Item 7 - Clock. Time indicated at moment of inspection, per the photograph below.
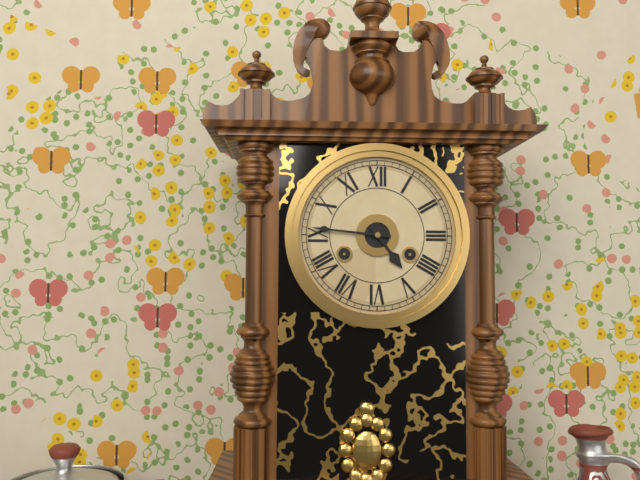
4:46
